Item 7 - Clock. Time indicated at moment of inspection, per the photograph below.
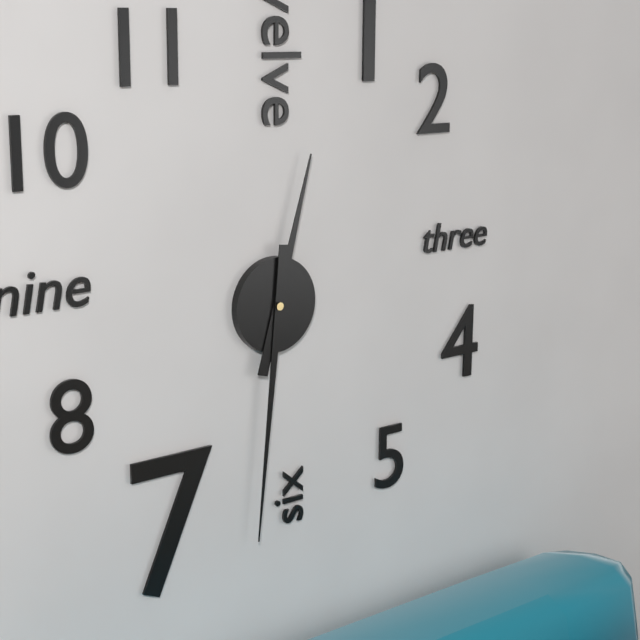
12:31
